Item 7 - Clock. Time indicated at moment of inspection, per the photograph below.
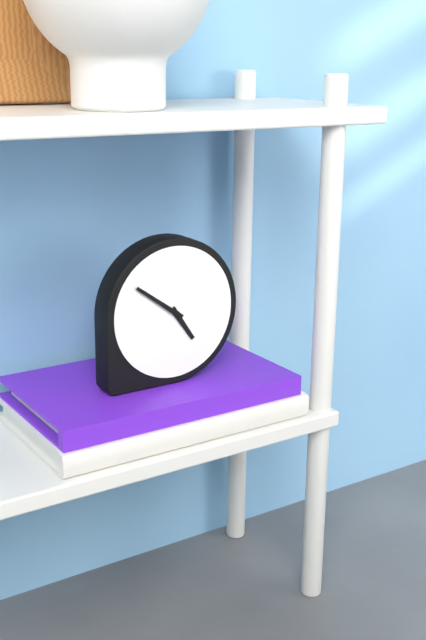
4:51
